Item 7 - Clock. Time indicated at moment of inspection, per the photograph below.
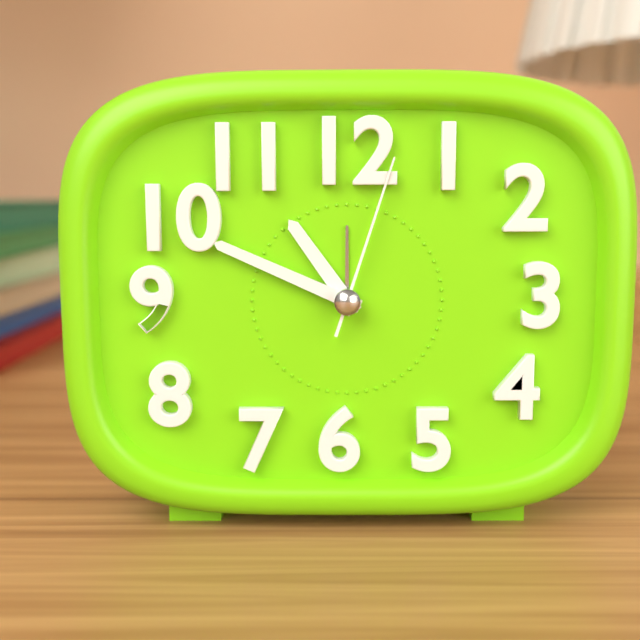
10:49:03
